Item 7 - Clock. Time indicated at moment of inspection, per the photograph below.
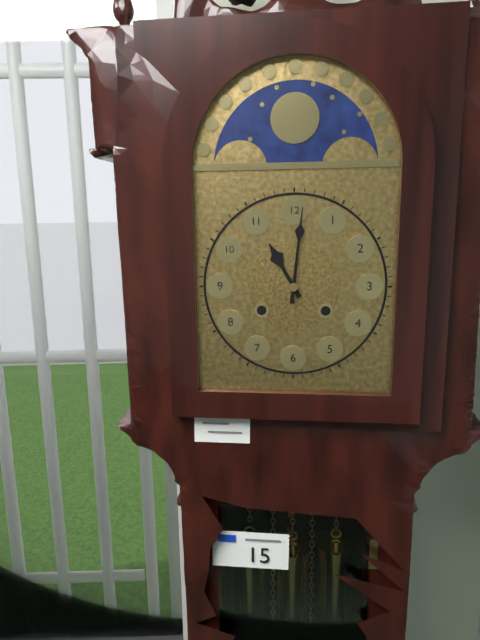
11:01
